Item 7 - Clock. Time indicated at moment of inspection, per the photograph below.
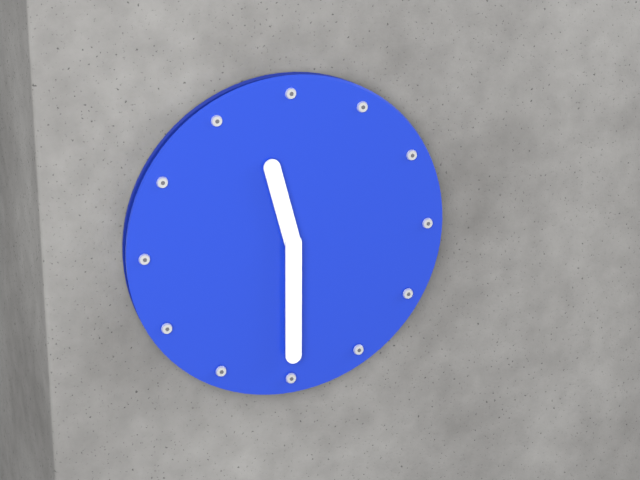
11:30
